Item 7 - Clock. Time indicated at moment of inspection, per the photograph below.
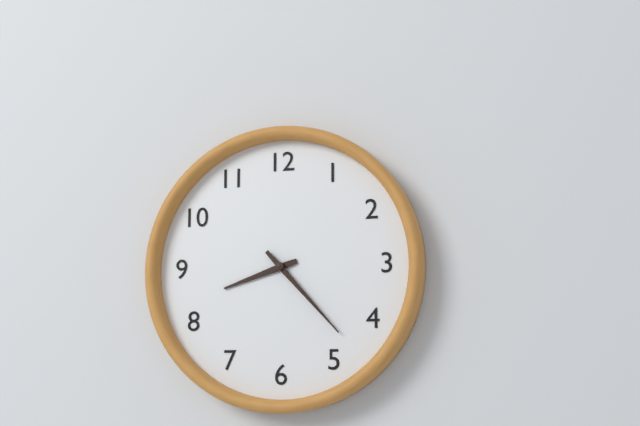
8:23
